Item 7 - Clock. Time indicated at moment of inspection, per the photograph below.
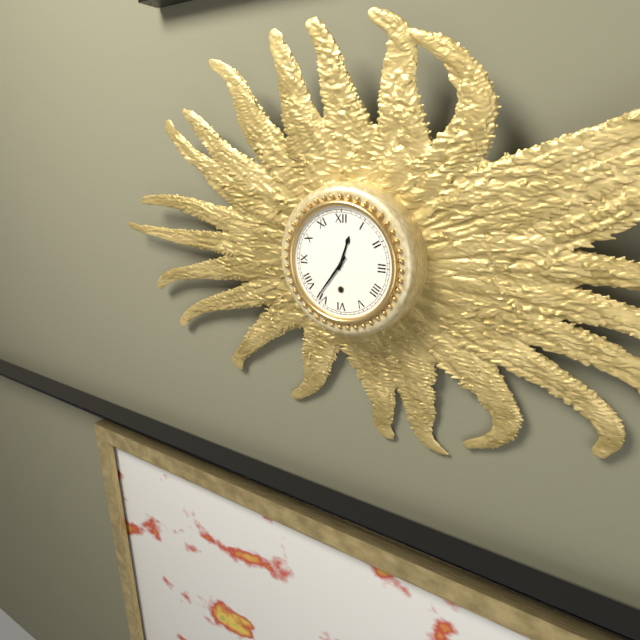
12:36
